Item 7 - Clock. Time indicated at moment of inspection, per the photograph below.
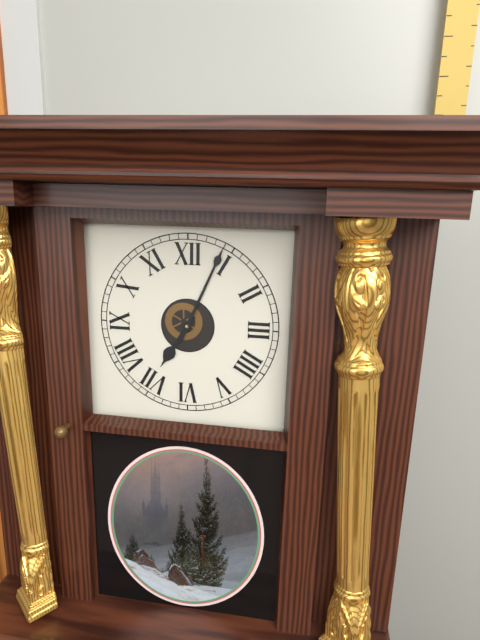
7:04
